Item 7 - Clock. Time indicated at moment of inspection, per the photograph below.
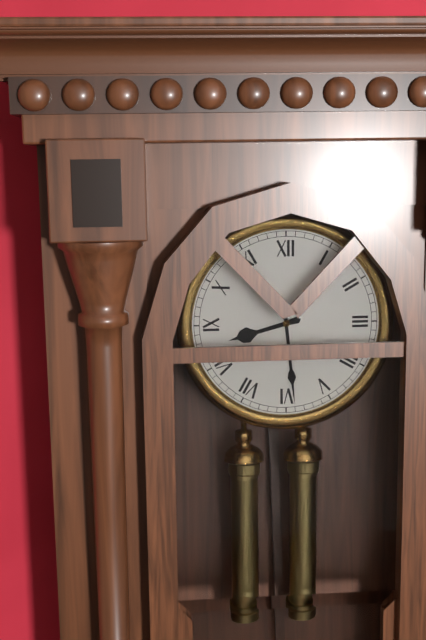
8:29
